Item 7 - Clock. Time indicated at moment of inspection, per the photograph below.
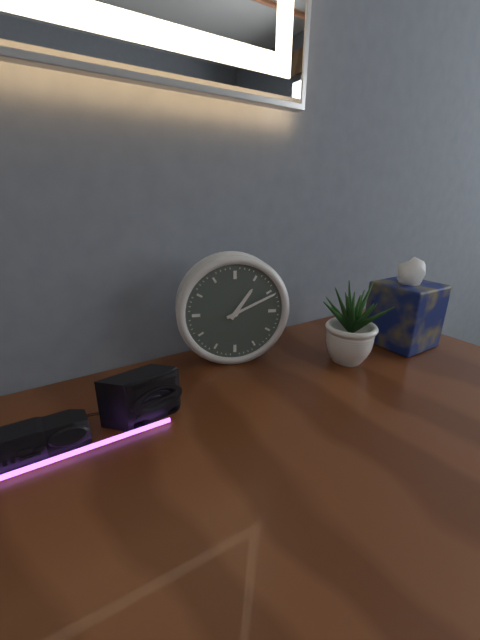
1:11
